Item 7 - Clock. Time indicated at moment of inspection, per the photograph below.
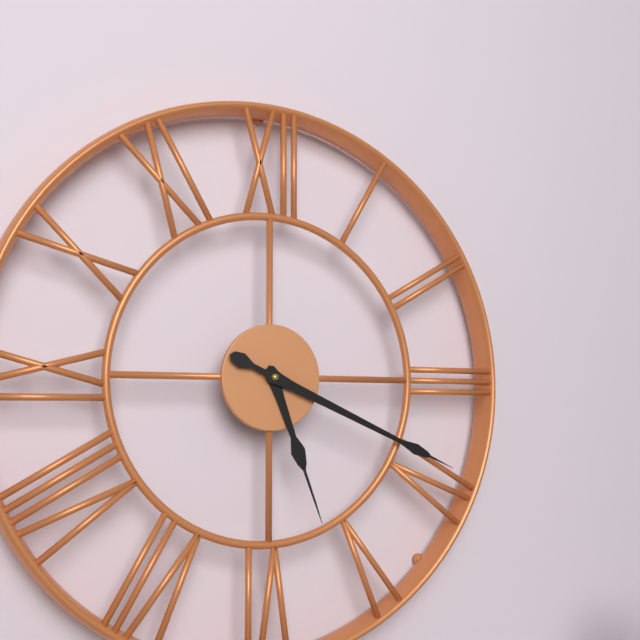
5:19
